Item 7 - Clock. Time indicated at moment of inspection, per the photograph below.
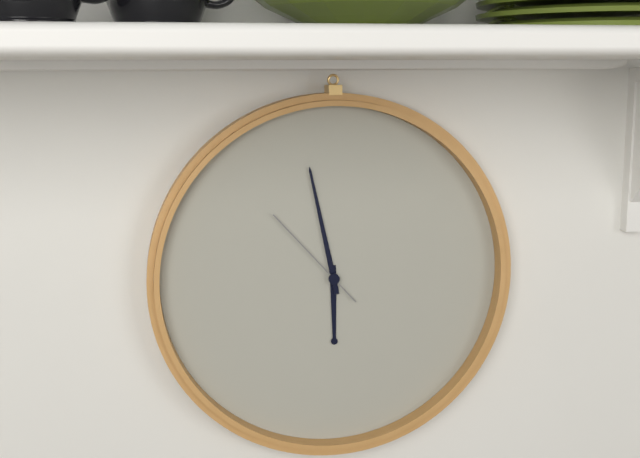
5:58:53
